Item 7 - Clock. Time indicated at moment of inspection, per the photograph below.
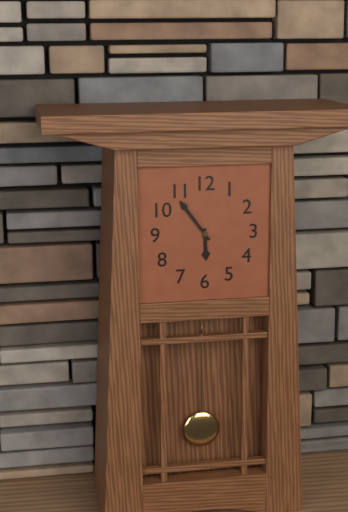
5:54
